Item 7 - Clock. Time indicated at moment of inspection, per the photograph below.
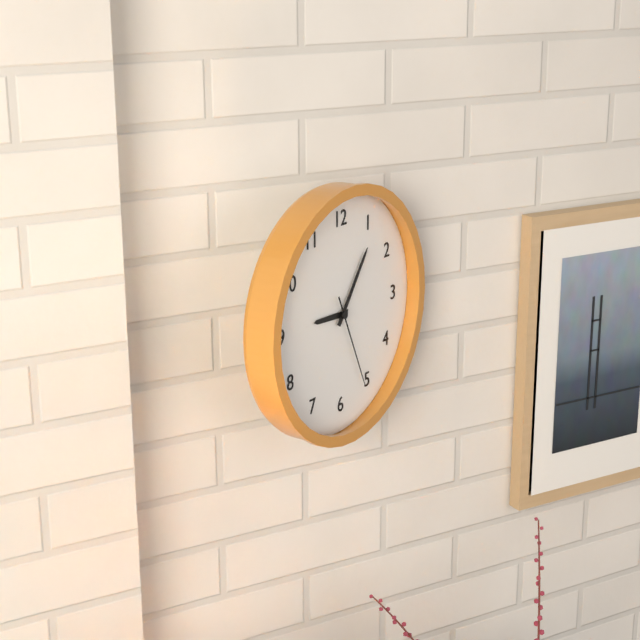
9:06:26
